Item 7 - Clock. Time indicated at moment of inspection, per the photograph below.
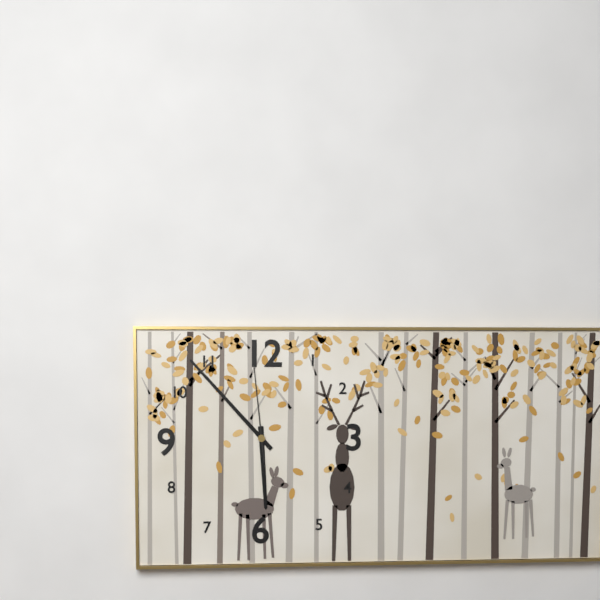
5:53:59
